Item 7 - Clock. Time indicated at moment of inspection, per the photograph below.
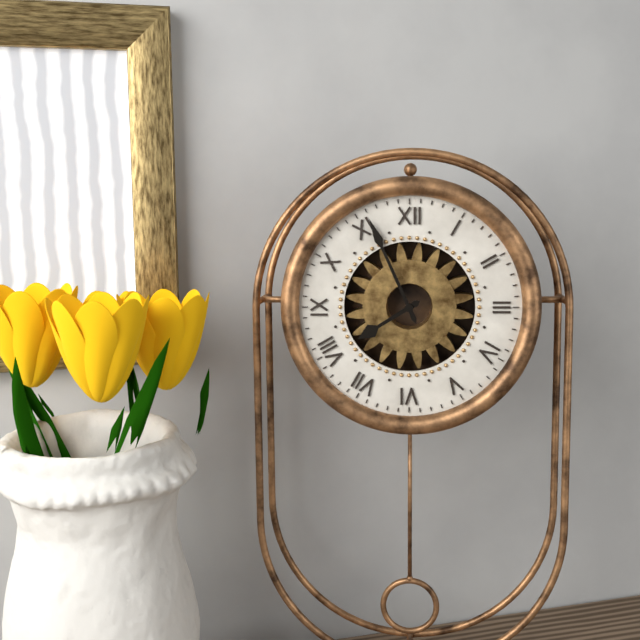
7:56
